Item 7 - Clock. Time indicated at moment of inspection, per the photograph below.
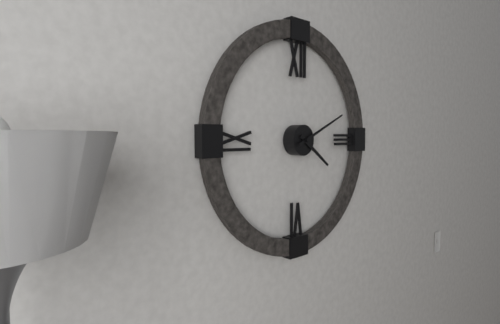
4:11
